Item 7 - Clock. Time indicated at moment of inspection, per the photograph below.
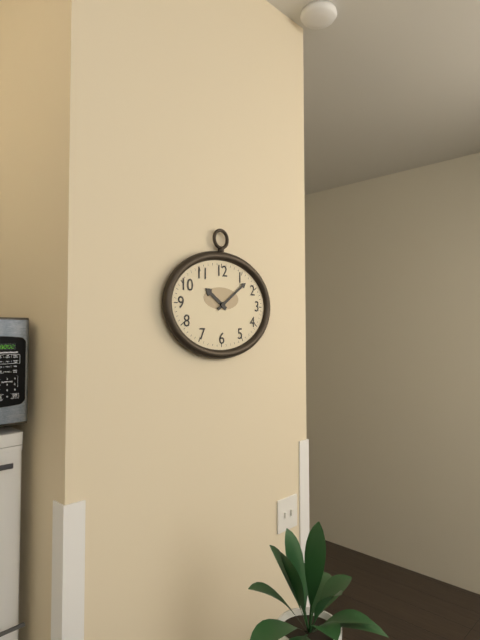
10:09
